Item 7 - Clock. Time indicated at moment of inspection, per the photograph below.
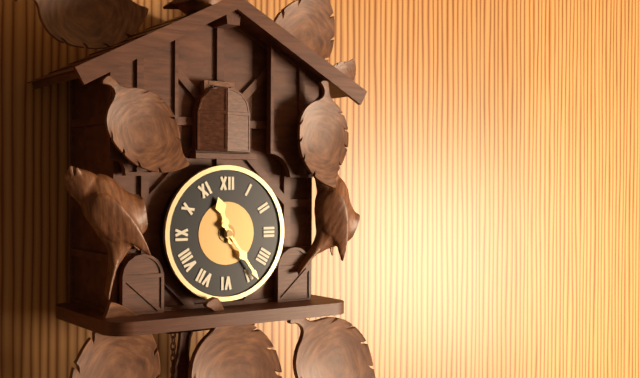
11:24
